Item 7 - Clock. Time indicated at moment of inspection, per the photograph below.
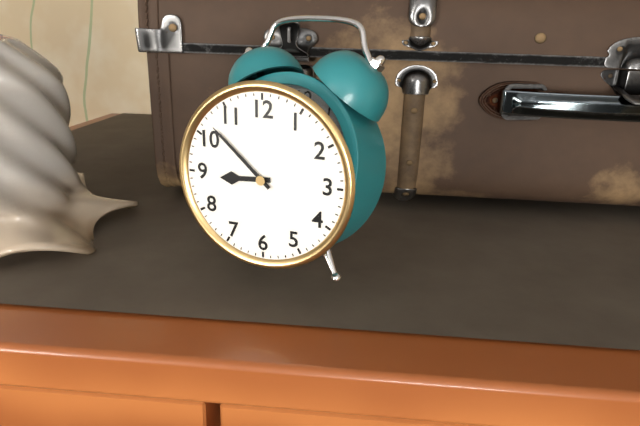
8:52
